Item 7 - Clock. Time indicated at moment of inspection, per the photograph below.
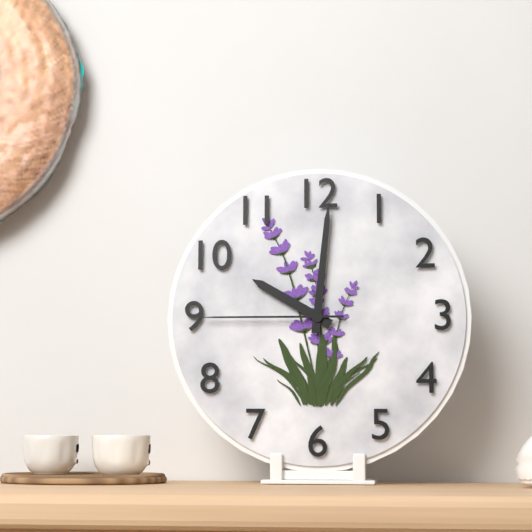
10:01:45
